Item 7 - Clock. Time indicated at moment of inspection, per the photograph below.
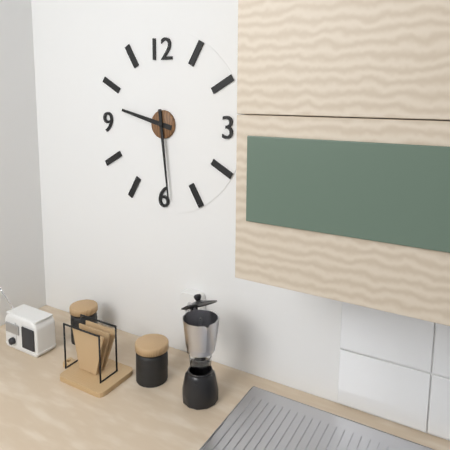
9:29
